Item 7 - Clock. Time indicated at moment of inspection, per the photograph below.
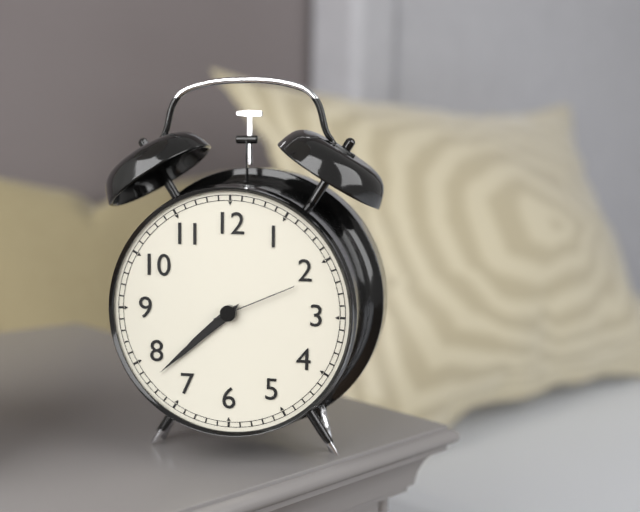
7:38:11
